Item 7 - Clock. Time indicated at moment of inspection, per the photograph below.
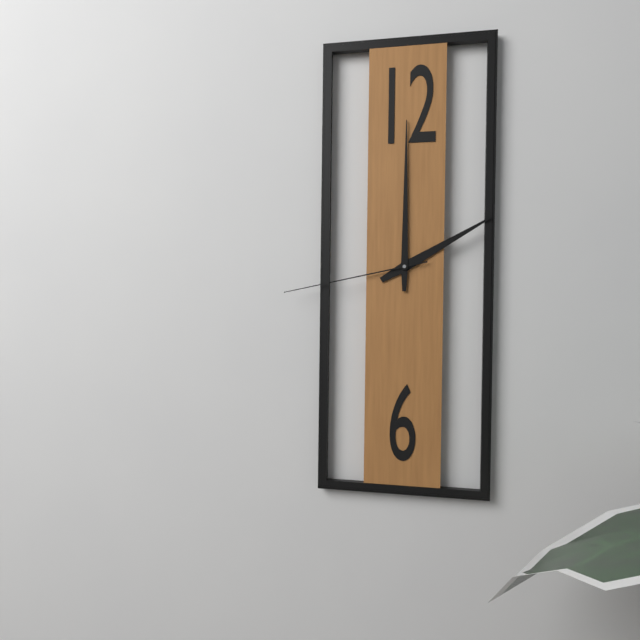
2:00:43
